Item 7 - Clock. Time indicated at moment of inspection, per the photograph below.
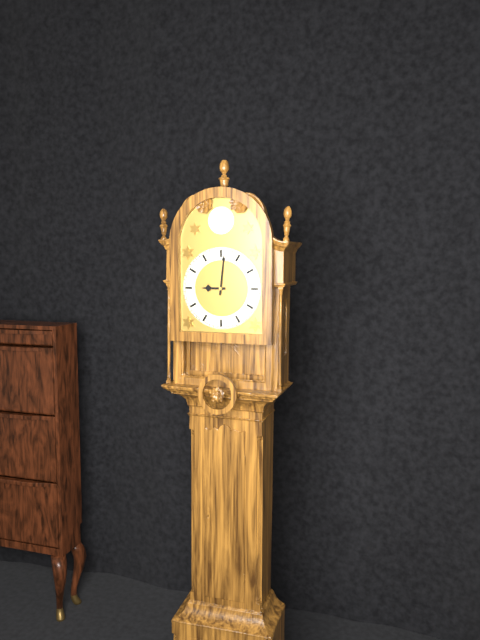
9:01
